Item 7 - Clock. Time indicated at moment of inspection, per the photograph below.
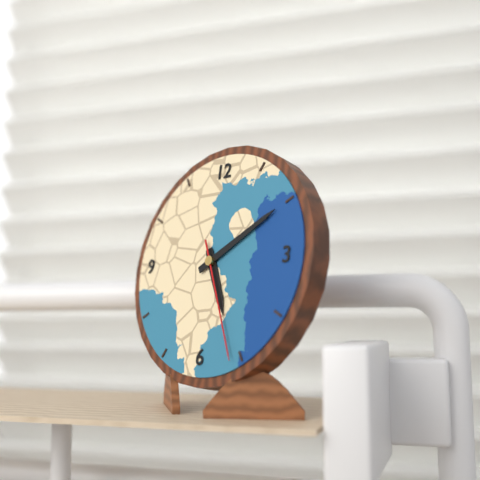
5:10:26
